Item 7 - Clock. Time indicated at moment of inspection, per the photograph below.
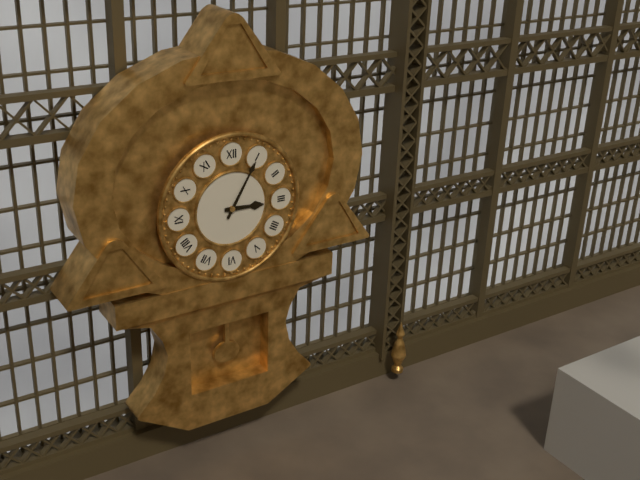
3:05
